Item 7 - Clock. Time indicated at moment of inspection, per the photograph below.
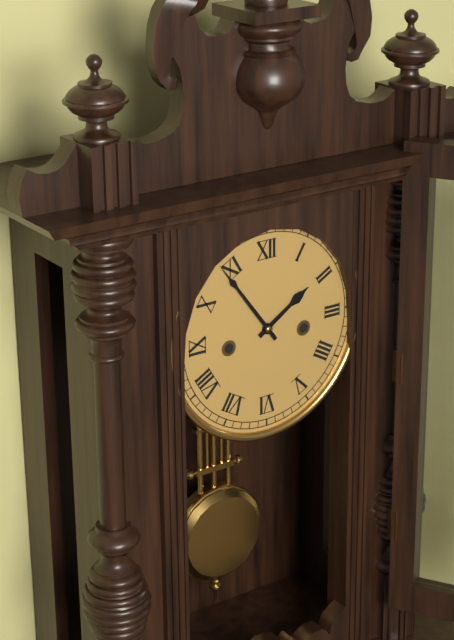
1:54
